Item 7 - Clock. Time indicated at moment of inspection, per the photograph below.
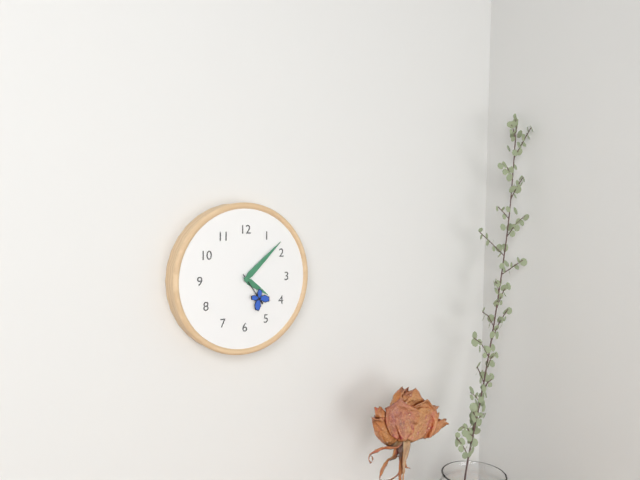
4:08
